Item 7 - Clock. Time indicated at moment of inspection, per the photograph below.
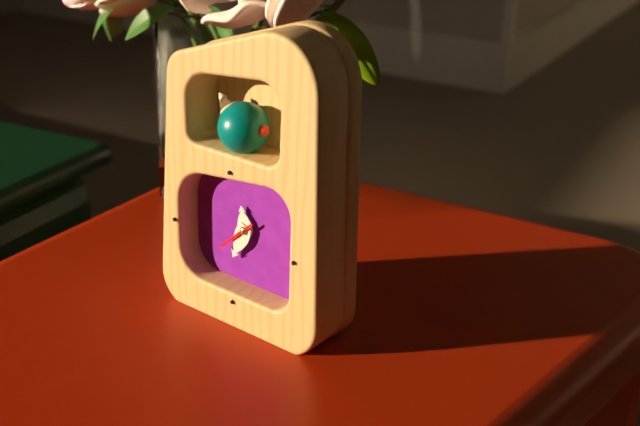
11:34
